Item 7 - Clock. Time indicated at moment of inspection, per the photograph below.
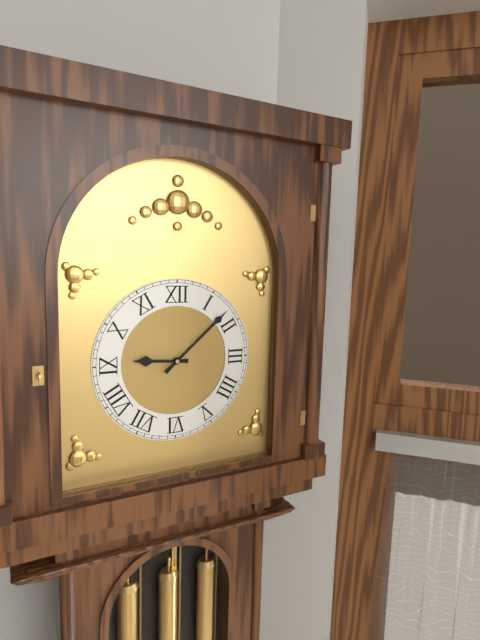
9:08
